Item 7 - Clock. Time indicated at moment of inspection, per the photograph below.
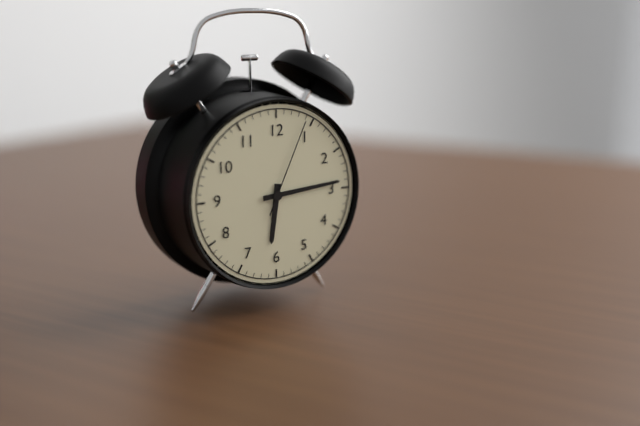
6:14:04
